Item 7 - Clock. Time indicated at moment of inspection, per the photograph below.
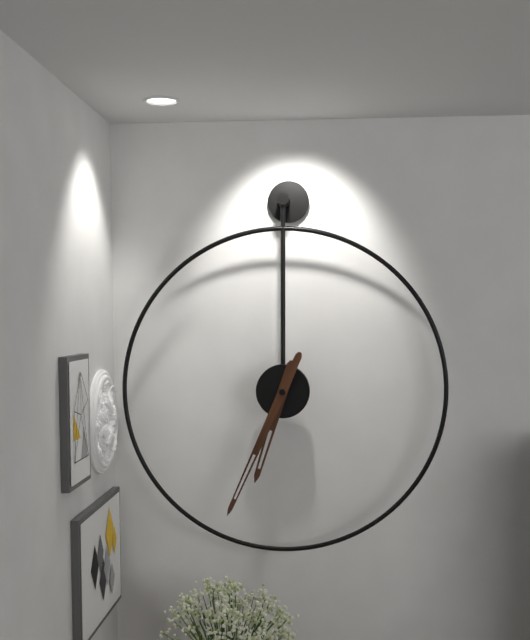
6:34
